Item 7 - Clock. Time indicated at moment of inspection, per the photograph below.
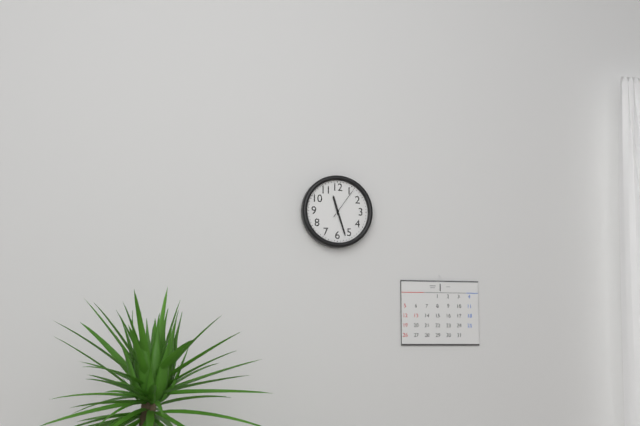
11:27
